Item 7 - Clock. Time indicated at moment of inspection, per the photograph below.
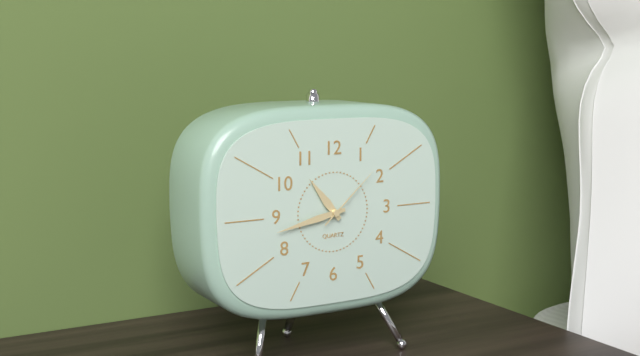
10:43:08
